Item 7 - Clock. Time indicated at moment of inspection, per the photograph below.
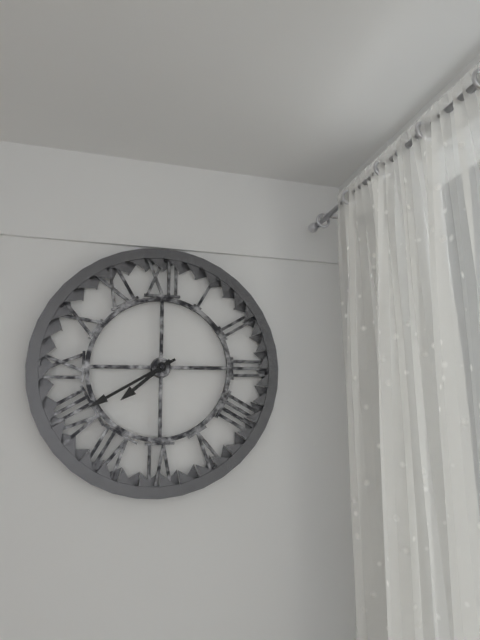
7:40
